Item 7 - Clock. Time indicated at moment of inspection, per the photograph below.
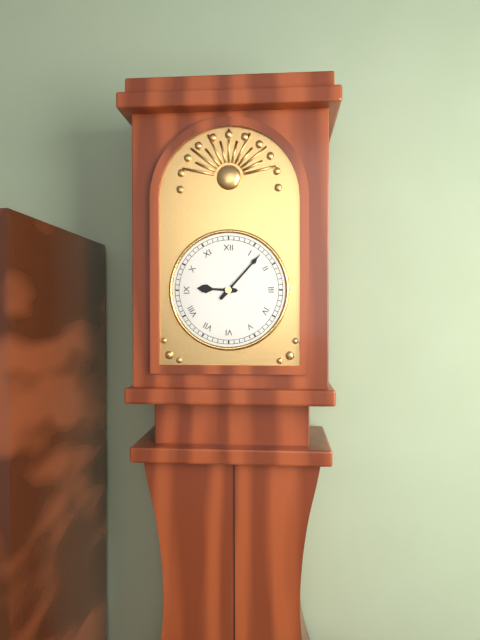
9:07
